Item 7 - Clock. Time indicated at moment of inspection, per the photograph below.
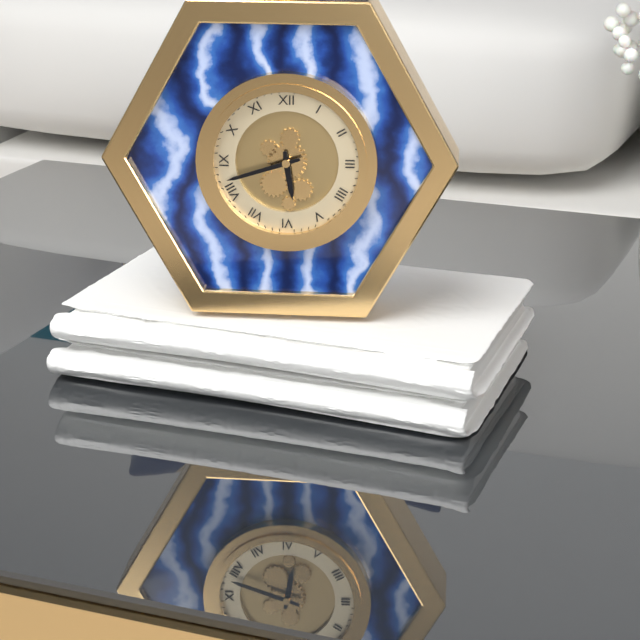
5:42
